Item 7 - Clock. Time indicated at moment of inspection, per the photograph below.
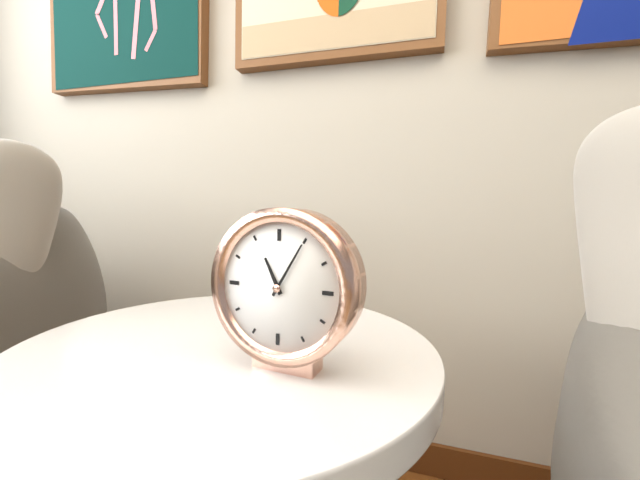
11:05
